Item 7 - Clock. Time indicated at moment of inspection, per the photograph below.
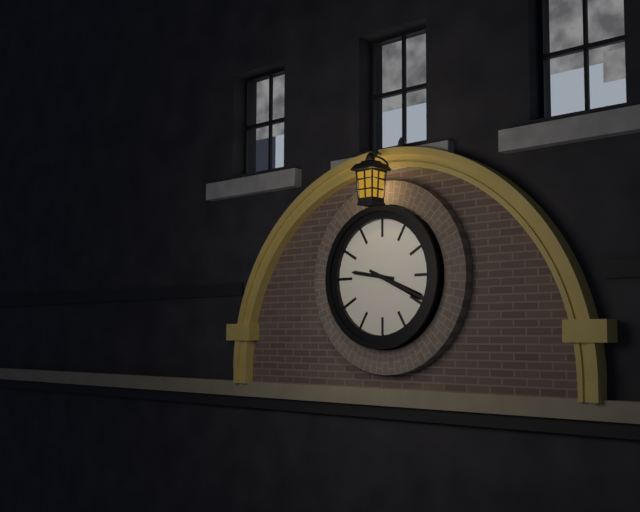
9:19
